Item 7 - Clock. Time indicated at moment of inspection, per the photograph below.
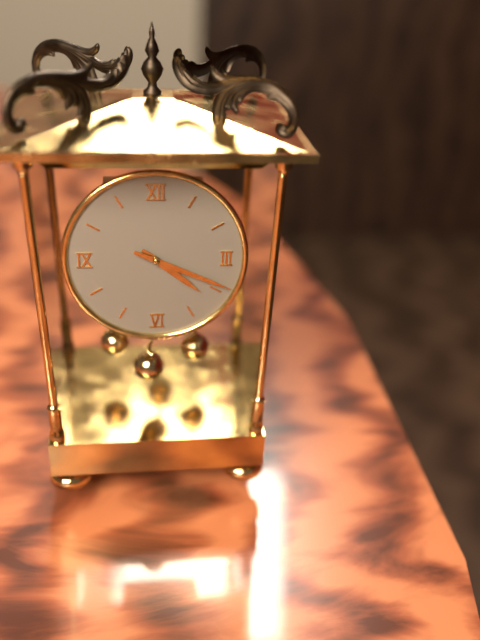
4:19
